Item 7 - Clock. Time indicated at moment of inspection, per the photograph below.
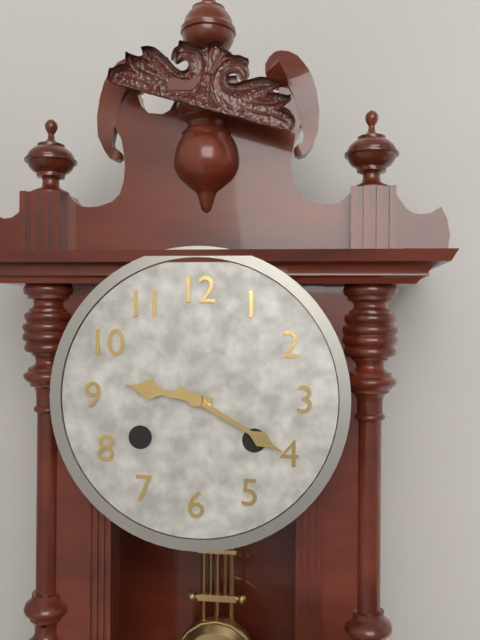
9:20
